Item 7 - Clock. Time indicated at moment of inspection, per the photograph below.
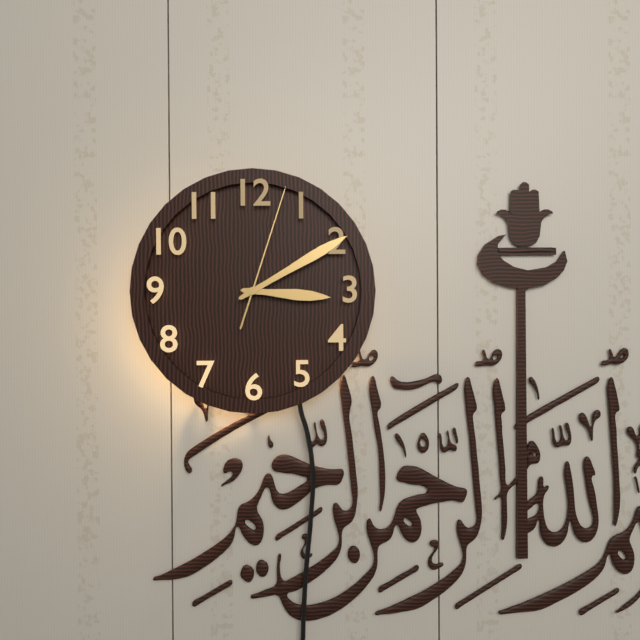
3:10:03
